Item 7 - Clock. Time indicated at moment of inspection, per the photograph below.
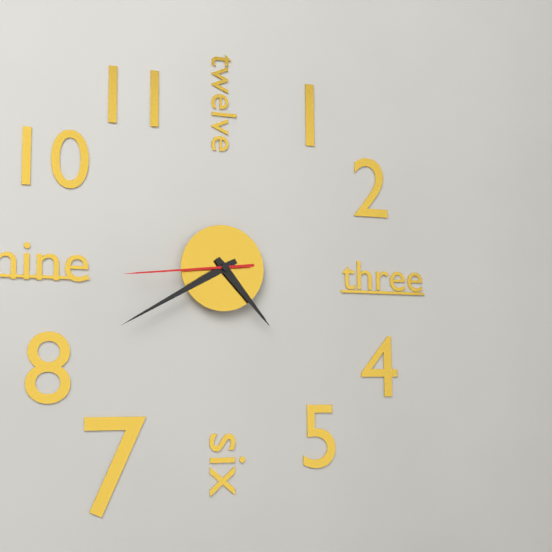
4:40:44
